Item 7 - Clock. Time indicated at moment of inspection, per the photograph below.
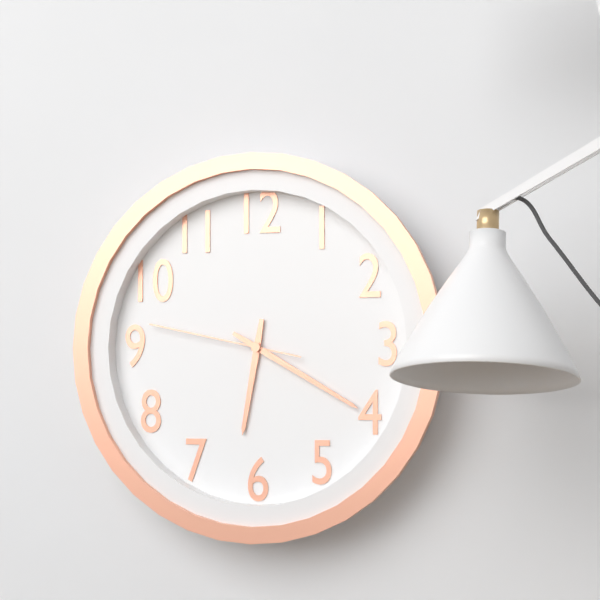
6:20:47
